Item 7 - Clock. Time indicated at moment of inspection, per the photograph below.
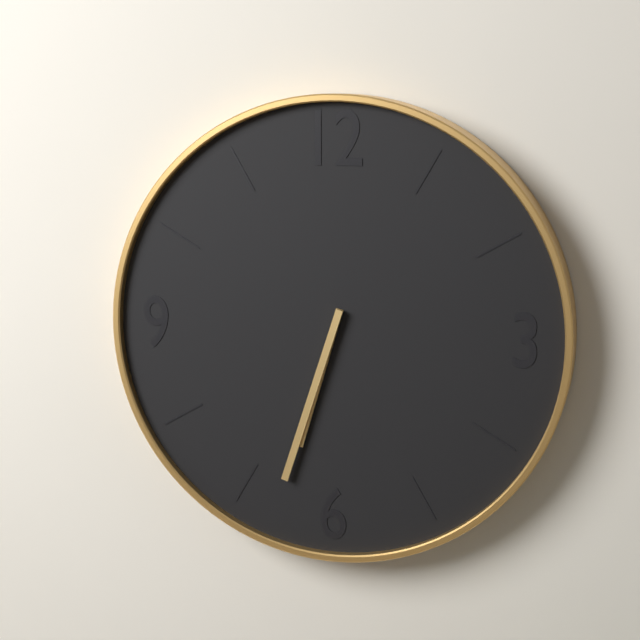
6:33
